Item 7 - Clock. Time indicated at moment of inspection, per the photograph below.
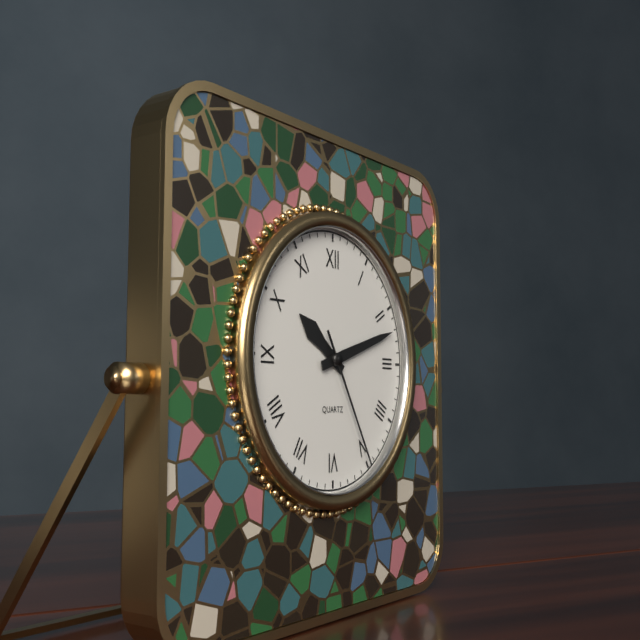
10:12:25
